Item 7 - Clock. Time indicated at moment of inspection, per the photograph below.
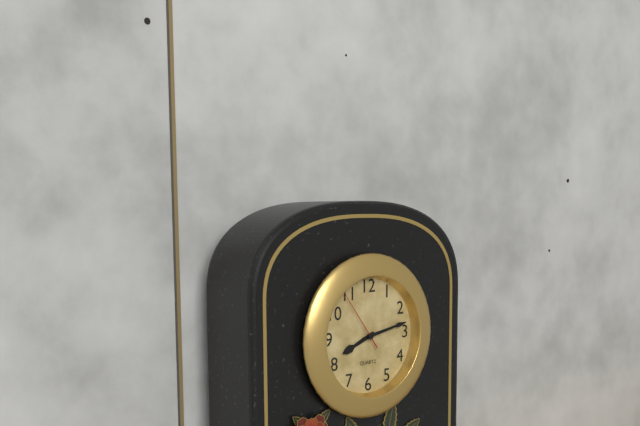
8:13:54
